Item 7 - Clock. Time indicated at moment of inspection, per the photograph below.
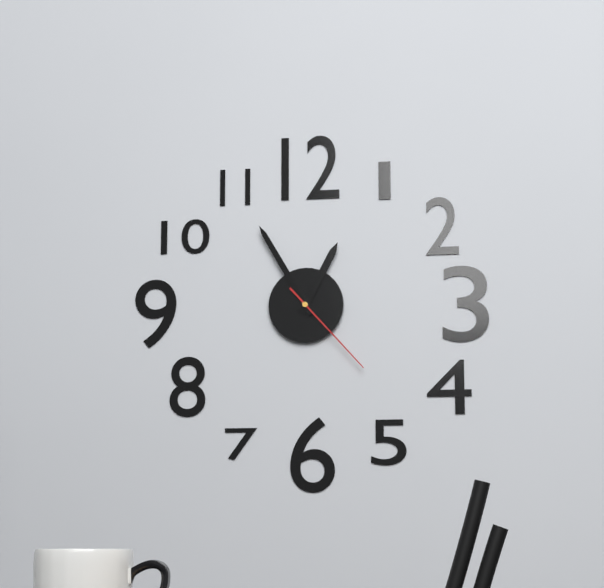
12:55:23
